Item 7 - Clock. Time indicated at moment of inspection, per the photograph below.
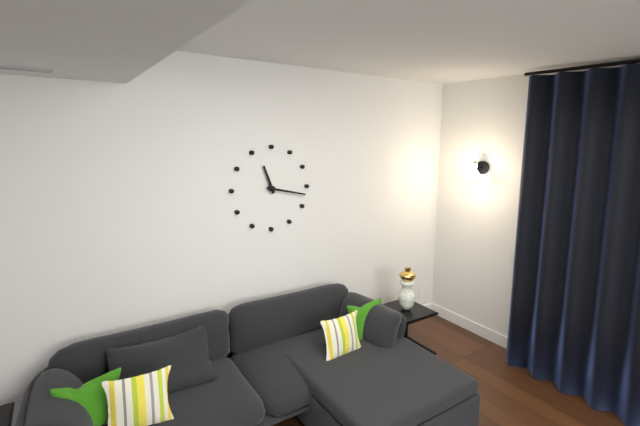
11:17
